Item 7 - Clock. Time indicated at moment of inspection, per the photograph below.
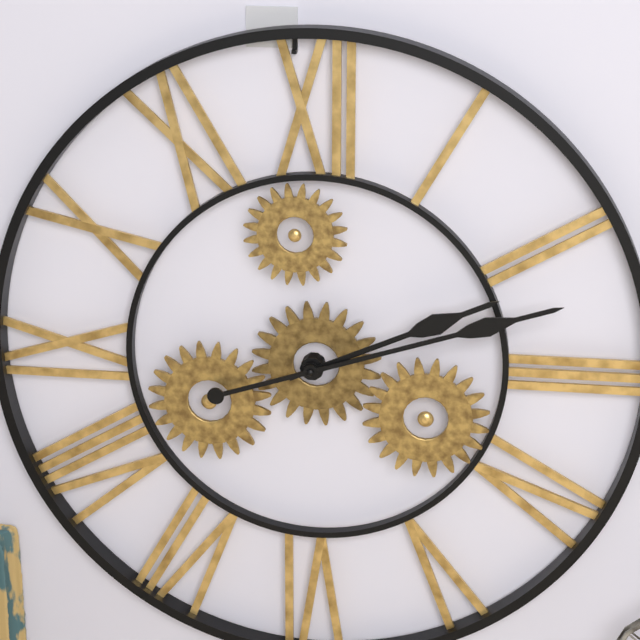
2:12
